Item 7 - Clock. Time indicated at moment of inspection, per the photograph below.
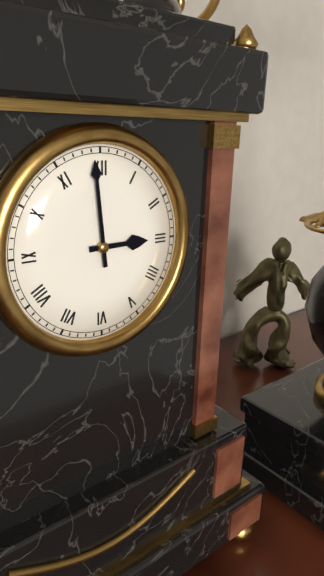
2:59
